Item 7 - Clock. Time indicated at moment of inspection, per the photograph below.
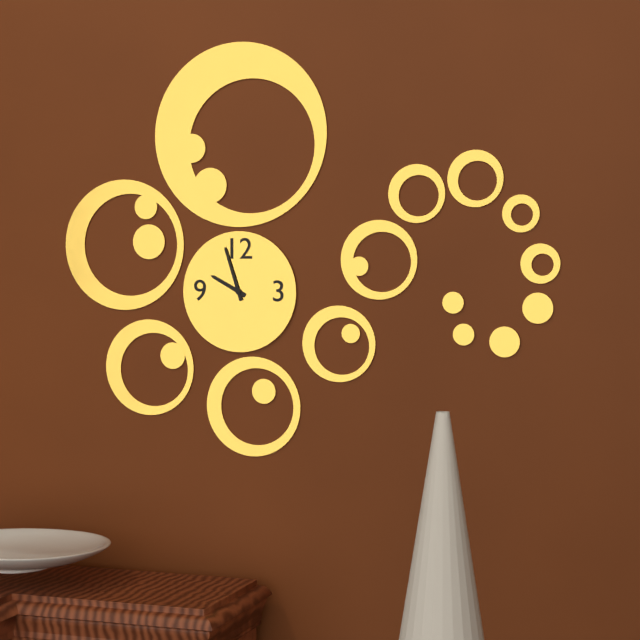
9:57
